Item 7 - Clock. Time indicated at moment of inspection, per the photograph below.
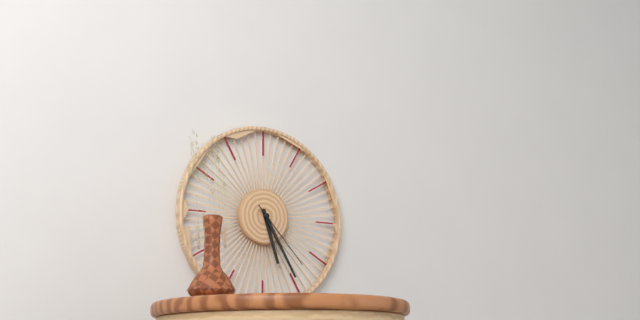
5:25:23
